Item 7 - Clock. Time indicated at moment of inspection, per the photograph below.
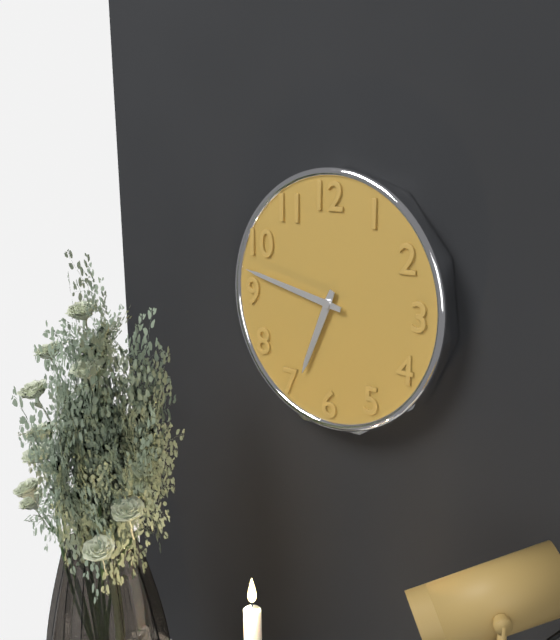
6:47
